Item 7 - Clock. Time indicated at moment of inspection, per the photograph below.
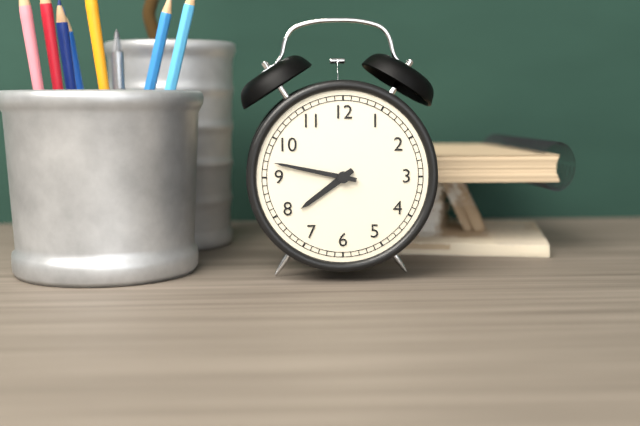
7:47
